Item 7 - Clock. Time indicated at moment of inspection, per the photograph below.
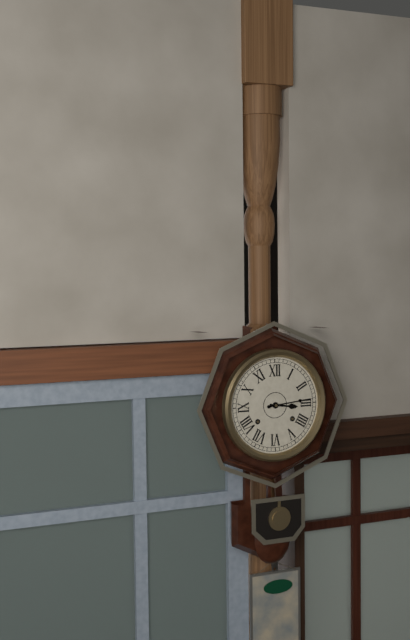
3:14
